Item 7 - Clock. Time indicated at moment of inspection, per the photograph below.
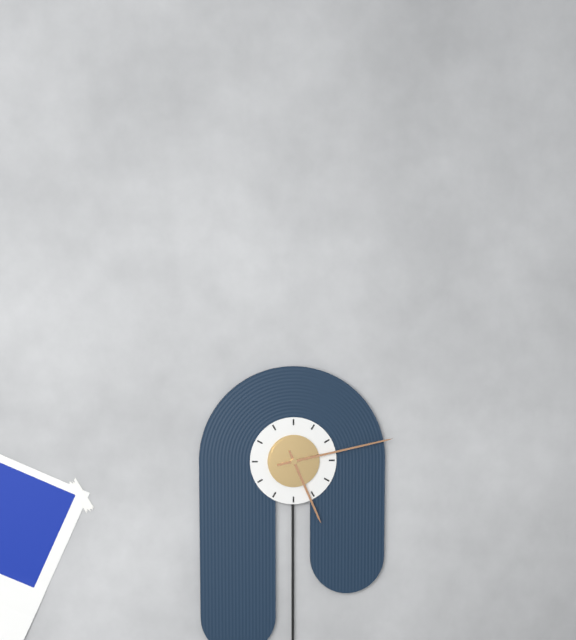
5:13
